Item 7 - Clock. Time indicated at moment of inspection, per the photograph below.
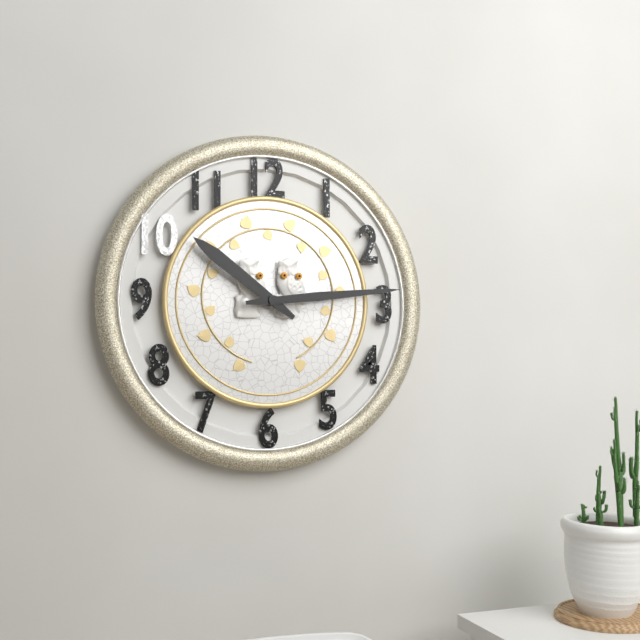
10:14
